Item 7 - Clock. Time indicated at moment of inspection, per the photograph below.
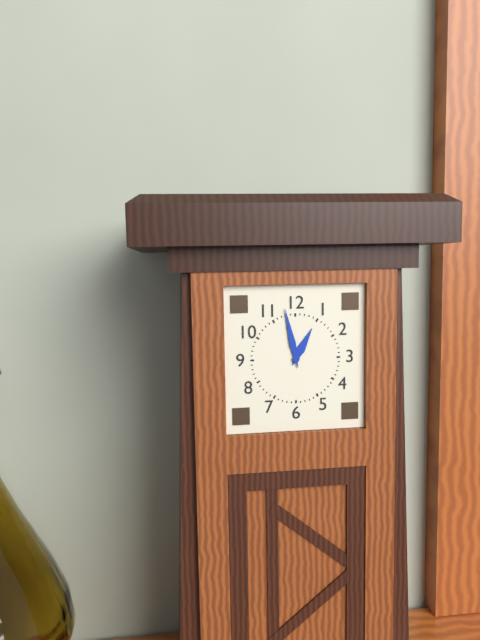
12:58
